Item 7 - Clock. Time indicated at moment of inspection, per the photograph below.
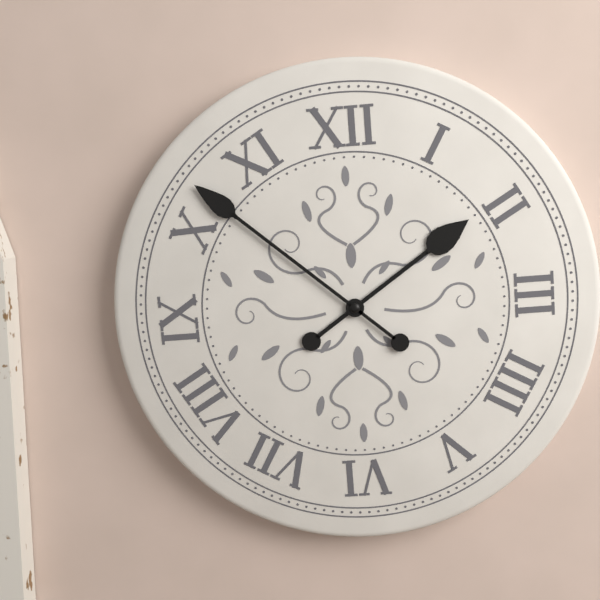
1:52
